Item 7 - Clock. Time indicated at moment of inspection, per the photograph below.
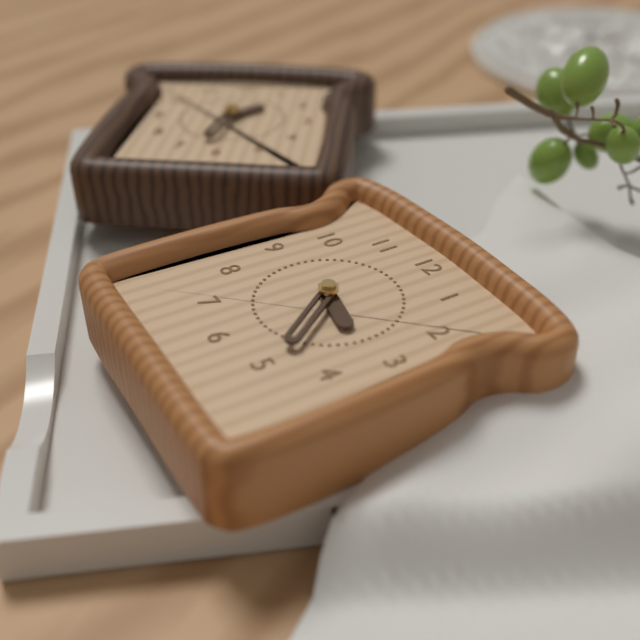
3:24
